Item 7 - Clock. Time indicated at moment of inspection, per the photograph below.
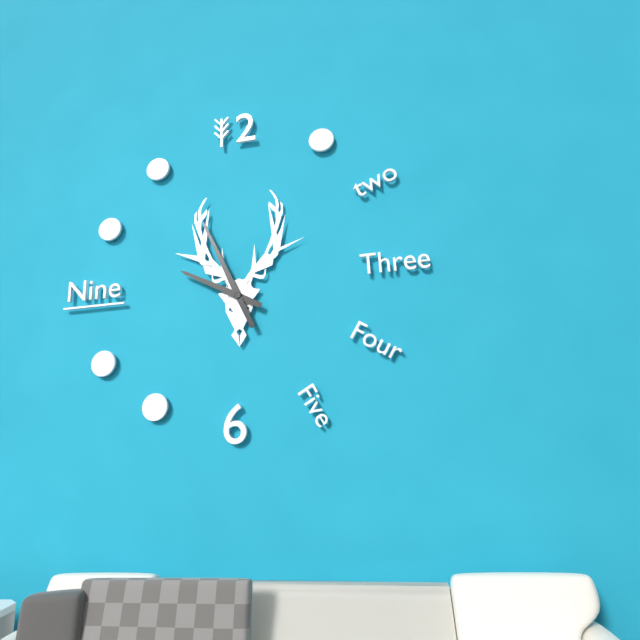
9:56
